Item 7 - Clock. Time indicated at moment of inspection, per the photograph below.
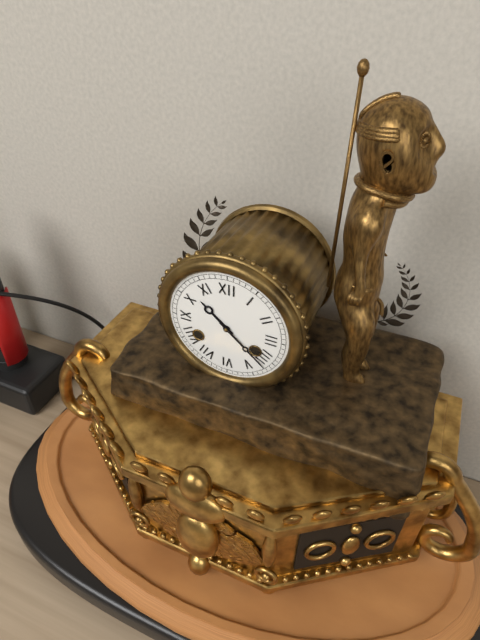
10:22
